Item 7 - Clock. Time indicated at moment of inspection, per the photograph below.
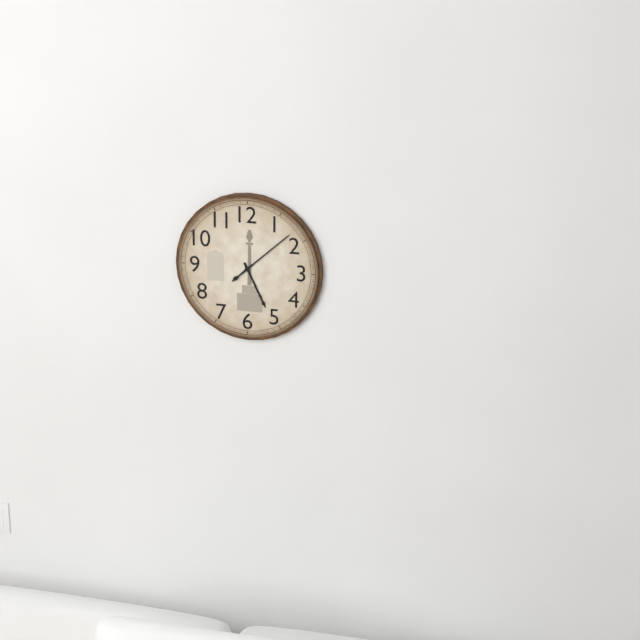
5:08
